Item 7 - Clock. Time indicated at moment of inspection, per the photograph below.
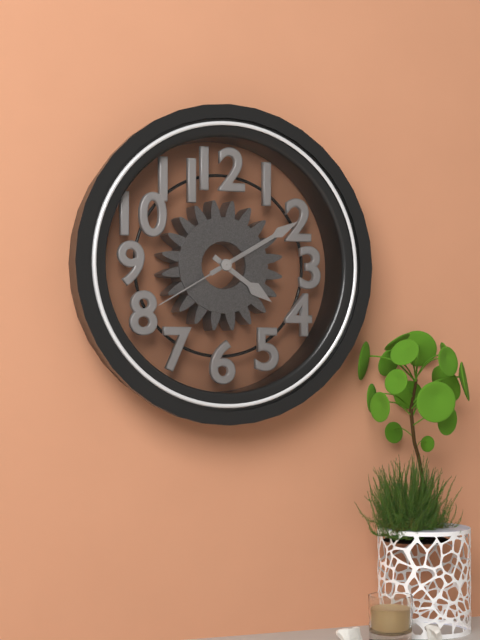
4:10:40
